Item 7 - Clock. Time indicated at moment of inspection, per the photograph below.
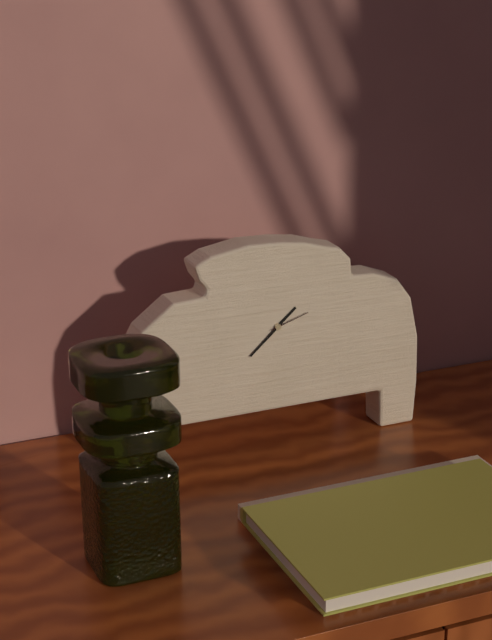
1:38
